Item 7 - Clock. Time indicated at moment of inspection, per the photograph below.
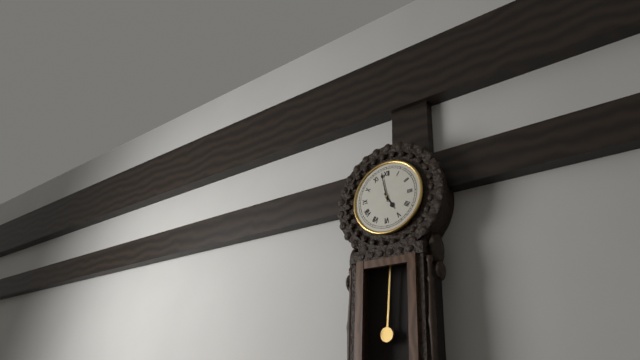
4:58
